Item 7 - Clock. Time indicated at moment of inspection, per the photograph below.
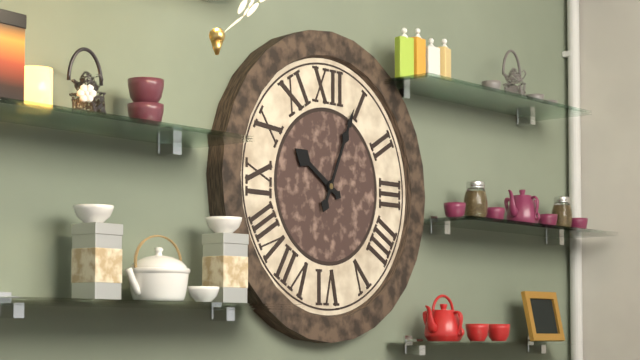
10:04
